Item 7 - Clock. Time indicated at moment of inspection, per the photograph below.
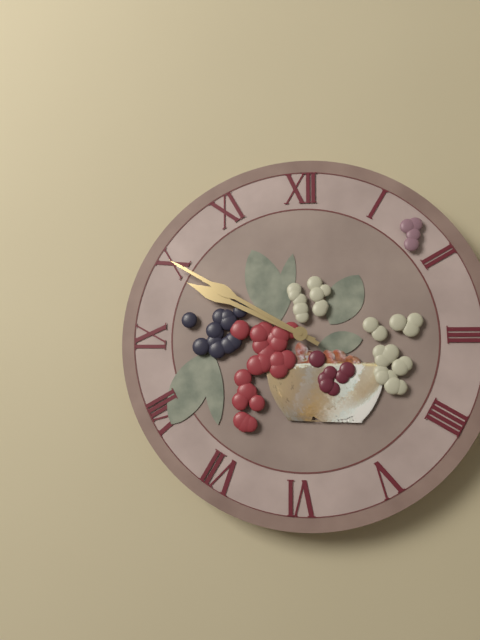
9:50
